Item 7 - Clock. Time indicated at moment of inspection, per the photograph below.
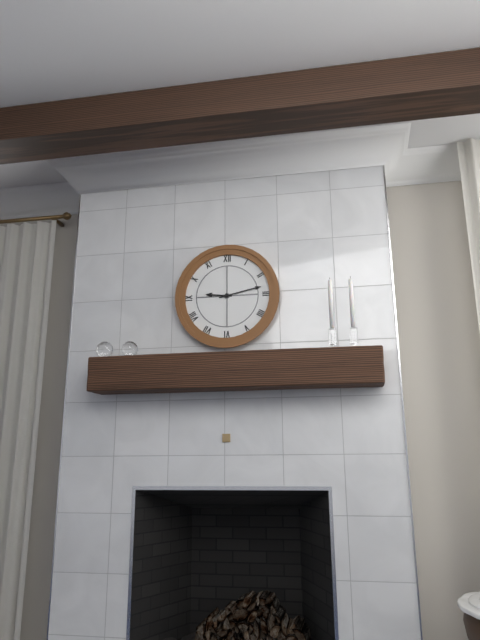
9:13
